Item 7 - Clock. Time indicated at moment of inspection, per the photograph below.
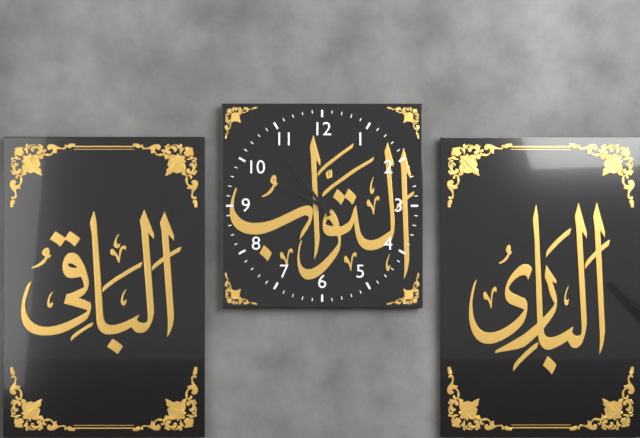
9:54
